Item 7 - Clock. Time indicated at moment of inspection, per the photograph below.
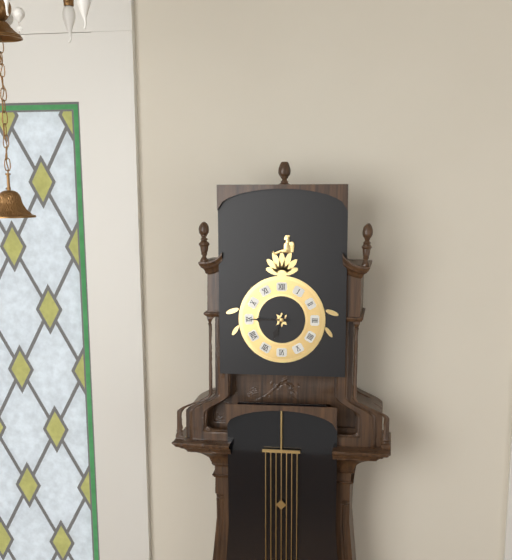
6:45
